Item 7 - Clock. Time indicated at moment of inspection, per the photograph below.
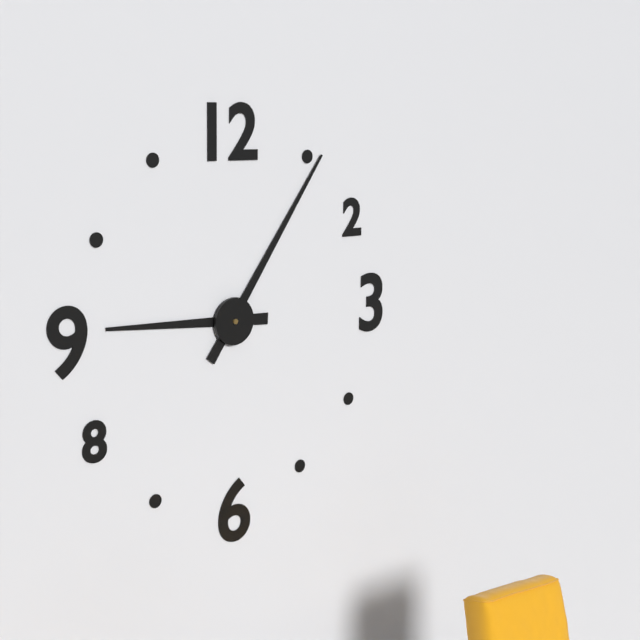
9:06
